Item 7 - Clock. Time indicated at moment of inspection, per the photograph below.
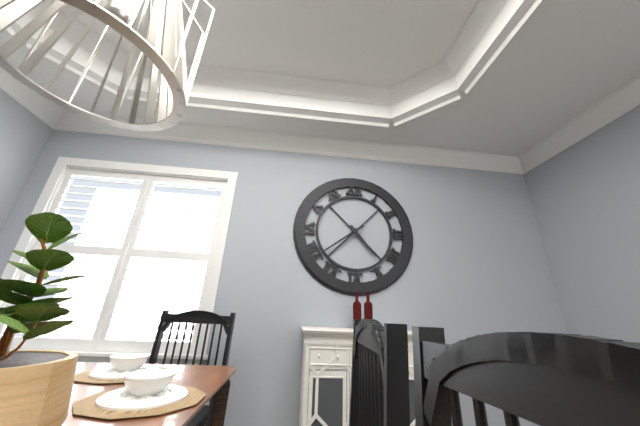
4:39
